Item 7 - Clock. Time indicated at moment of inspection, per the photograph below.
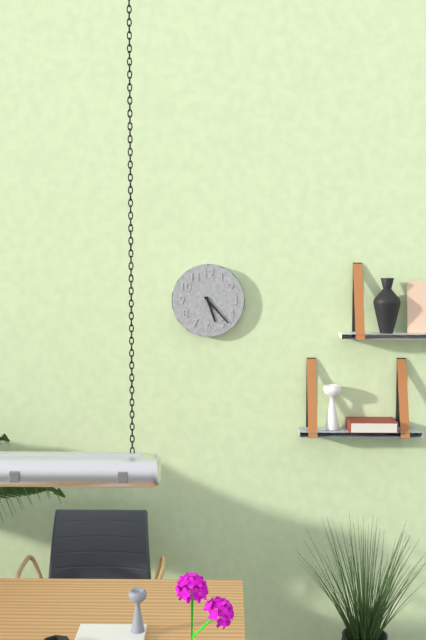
5:23
